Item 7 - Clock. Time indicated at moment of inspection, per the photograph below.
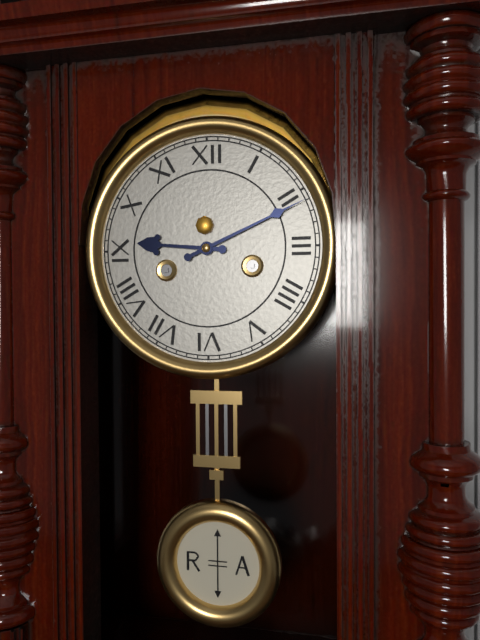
9:11
